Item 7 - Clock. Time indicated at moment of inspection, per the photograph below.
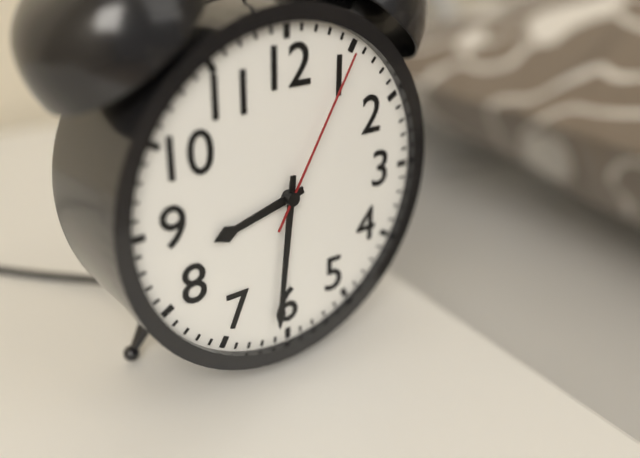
8:31:05
